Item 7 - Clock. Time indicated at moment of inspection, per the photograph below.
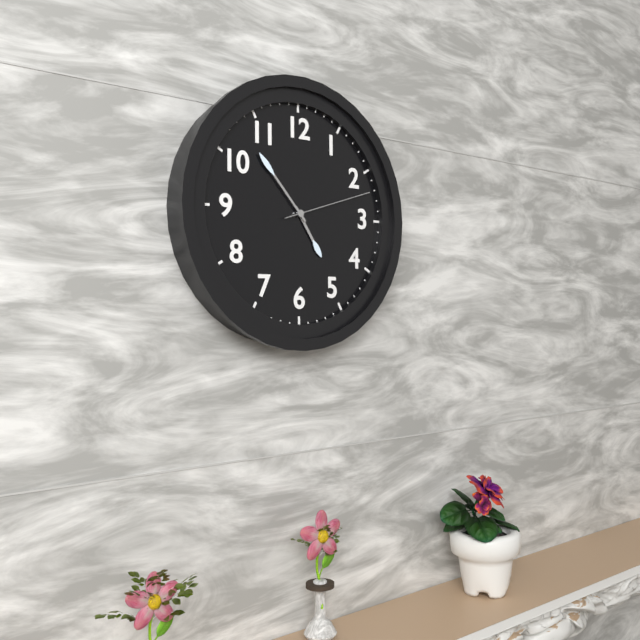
4:53:12
